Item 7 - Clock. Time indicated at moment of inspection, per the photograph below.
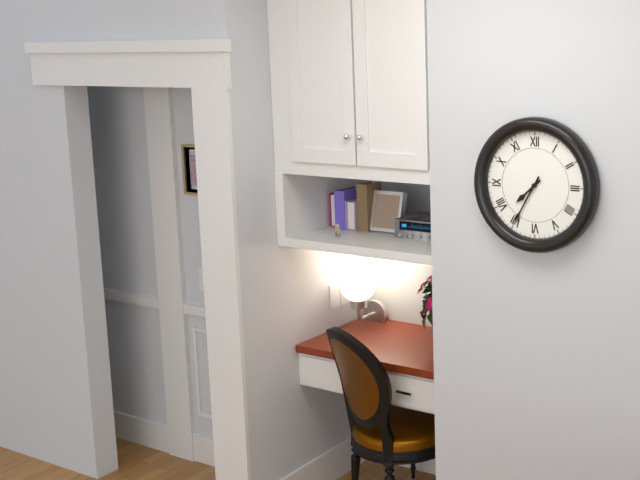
7:35
